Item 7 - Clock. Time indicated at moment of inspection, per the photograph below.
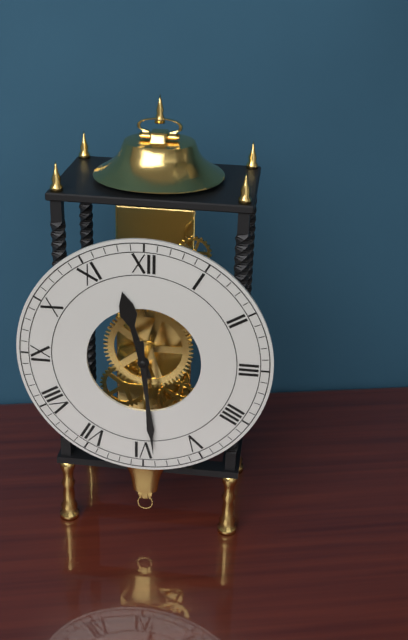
11:29
